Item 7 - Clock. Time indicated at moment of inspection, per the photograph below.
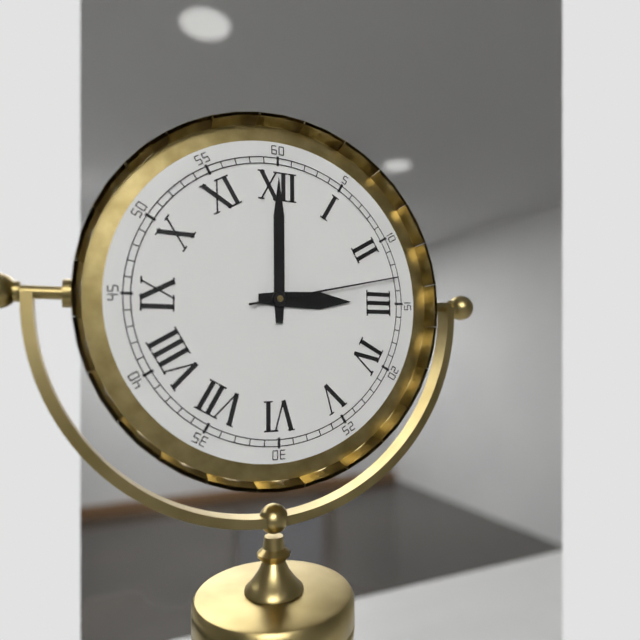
3:00:13
